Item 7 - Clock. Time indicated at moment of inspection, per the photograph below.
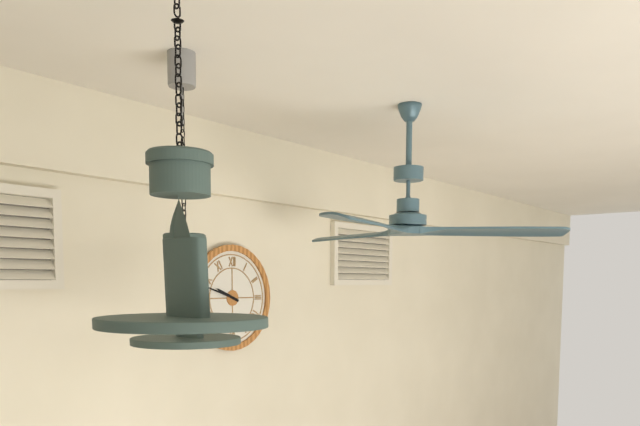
9:48
